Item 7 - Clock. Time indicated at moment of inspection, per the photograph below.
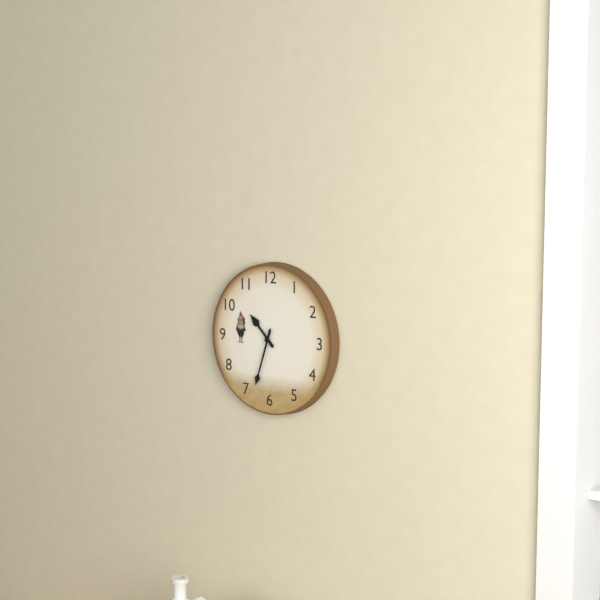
10:33
